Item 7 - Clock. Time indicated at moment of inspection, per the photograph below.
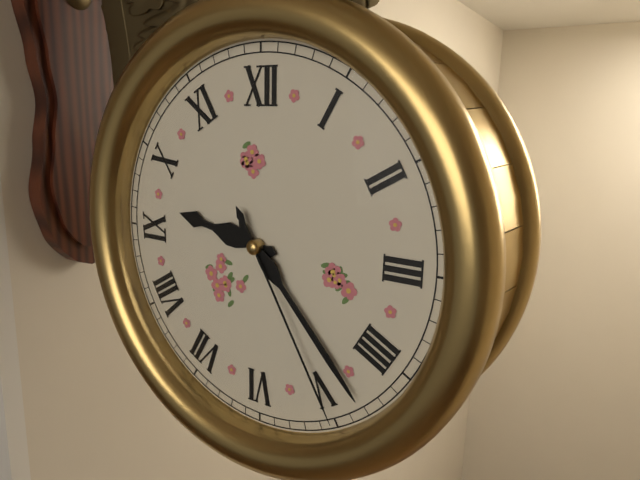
9:23:25
